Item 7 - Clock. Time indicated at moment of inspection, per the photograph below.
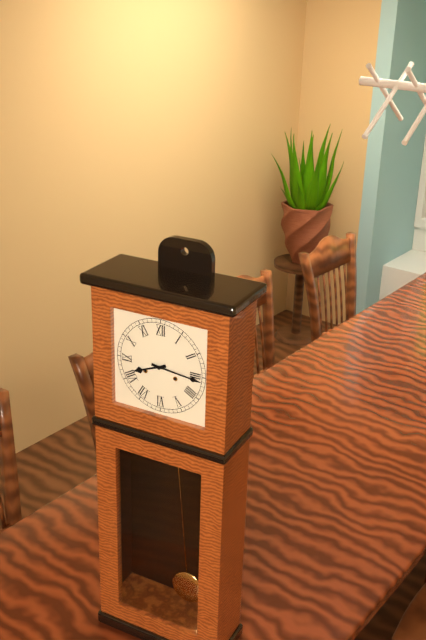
8:16
